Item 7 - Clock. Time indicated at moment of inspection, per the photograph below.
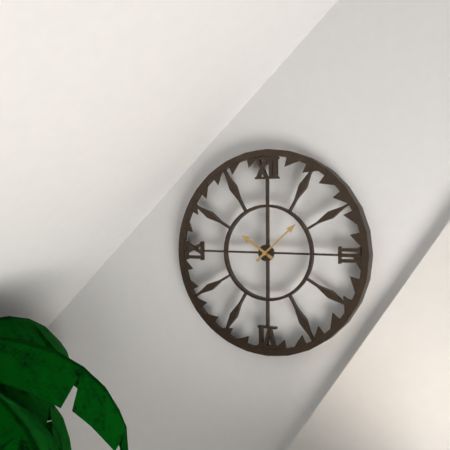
10:08
